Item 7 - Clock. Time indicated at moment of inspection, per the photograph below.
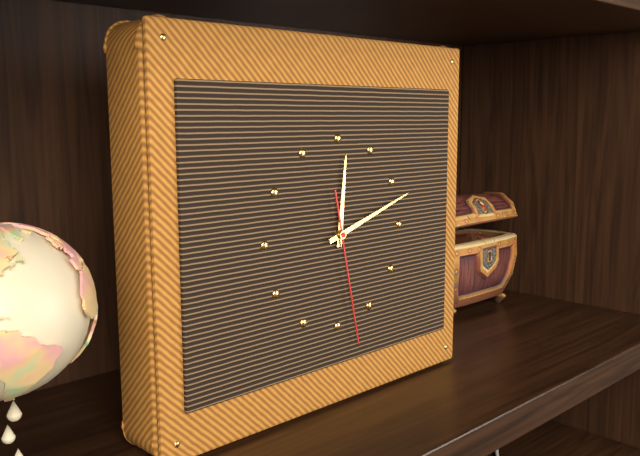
12:12:28
